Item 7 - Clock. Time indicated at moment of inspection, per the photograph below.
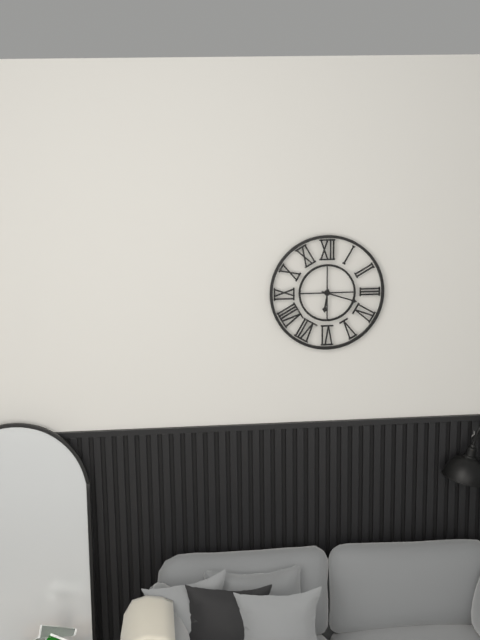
6:18
